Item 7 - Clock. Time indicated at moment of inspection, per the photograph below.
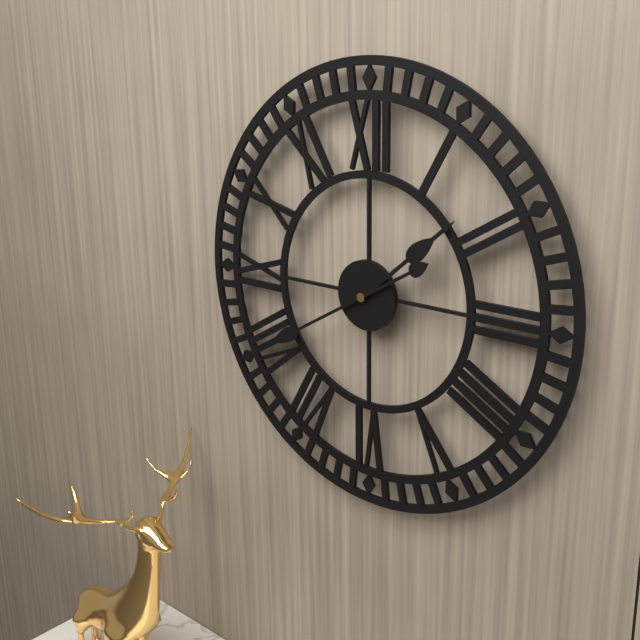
1:40
